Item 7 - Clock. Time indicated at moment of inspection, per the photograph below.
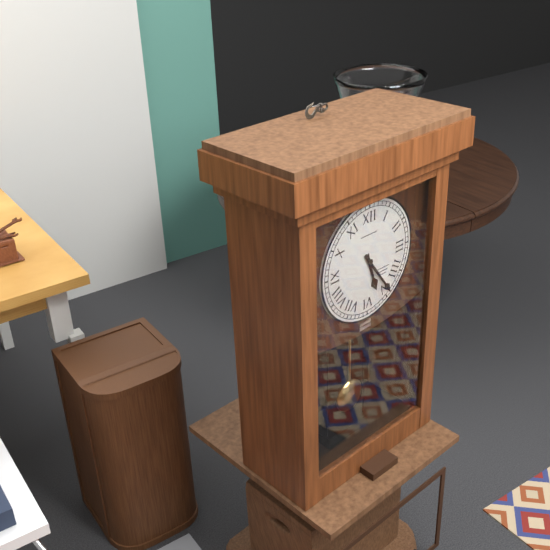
5:24
